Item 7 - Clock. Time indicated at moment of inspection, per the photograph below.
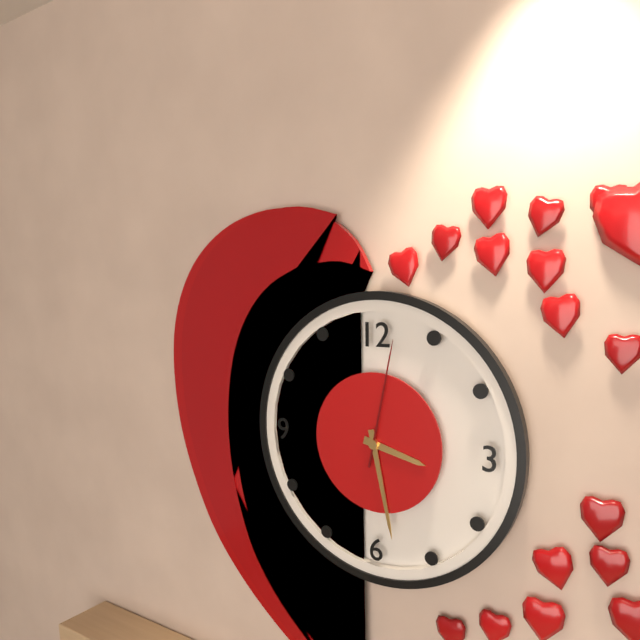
3:28:02
